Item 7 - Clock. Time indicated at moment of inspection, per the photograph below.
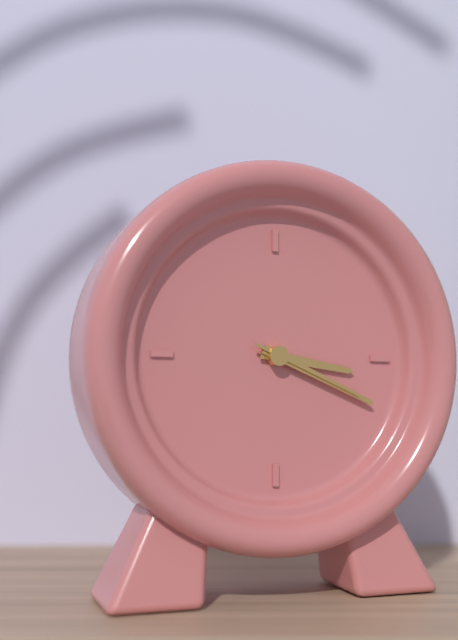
3:19:19
